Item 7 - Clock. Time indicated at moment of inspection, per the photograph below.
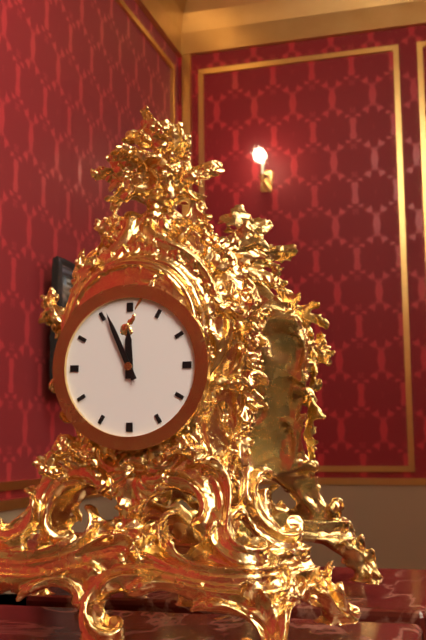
11:56
